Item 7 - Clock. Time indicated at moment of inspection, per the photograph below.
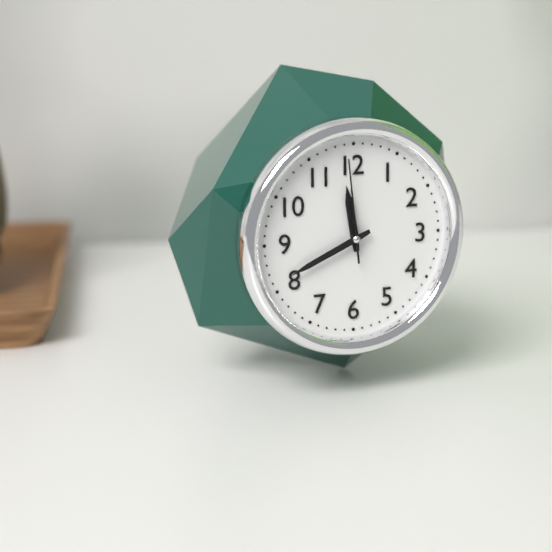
11:41:59
